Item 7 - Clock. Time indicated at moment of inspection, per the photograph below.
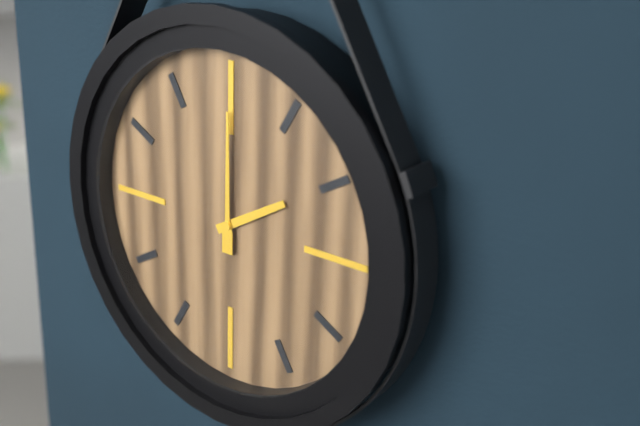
2:00
